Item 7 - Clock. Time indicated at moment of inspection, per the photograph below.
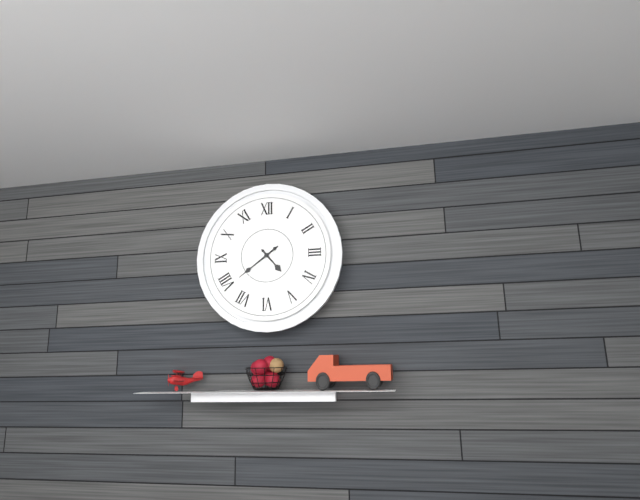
4:39
